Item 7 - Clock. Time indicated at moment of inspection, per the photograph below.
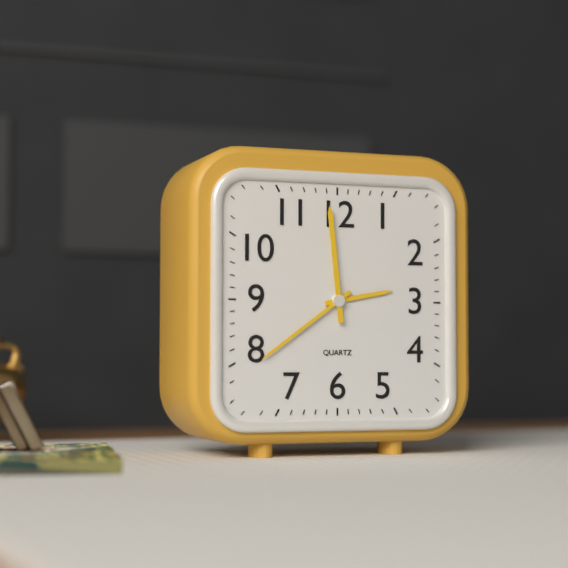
2:39:59
